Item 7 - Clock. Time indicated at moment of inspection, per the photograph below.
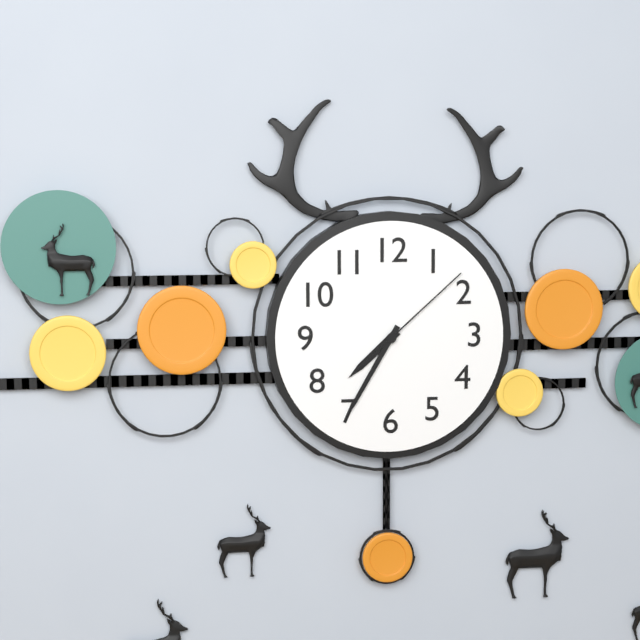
7:35:08
